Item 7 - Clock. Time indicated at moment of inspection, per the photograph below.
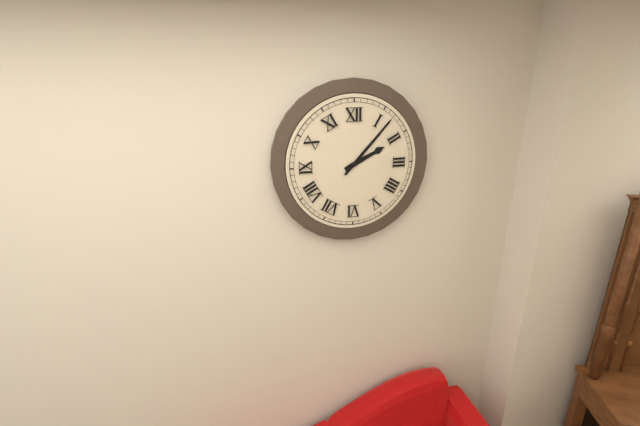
2:07
